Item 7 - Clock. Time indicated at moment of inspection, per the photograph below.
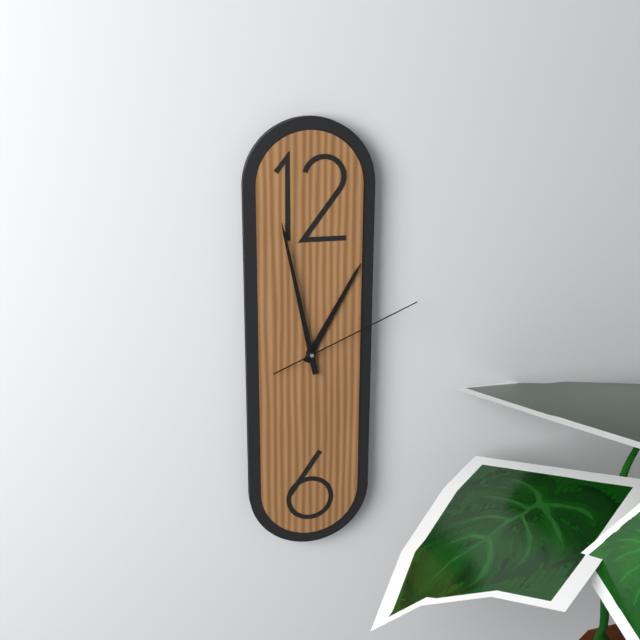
12:58:11
